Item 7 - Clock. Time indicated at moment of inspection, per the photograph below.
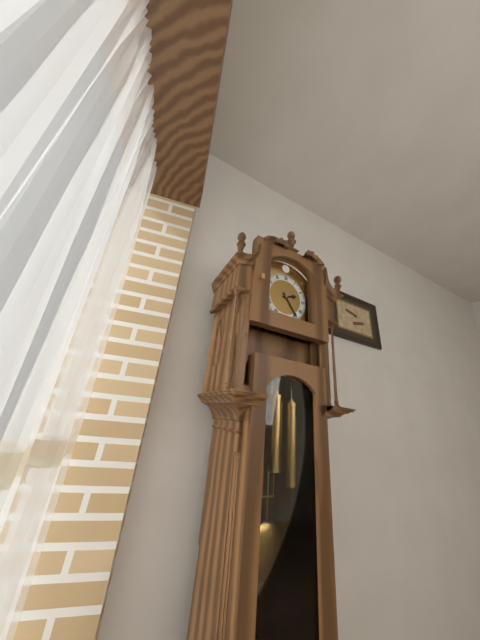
2:24
